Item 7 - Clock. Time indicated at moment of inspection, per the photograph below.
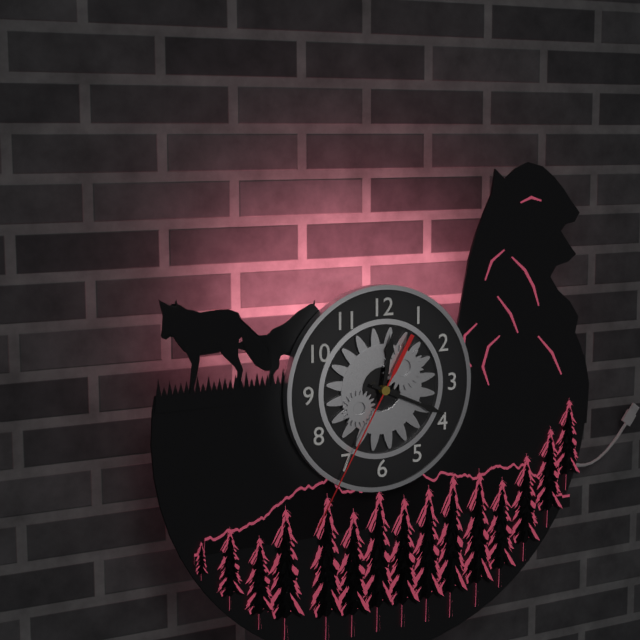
12:19:35
